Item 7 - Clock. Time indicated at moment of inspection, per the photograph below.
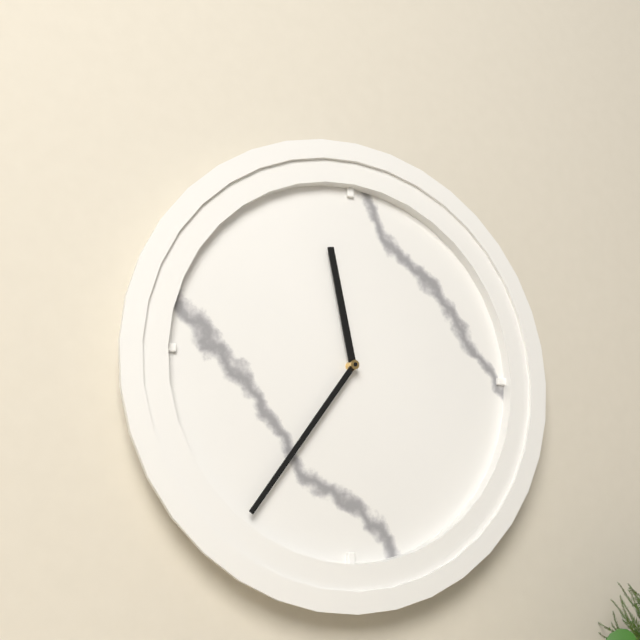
11:36
